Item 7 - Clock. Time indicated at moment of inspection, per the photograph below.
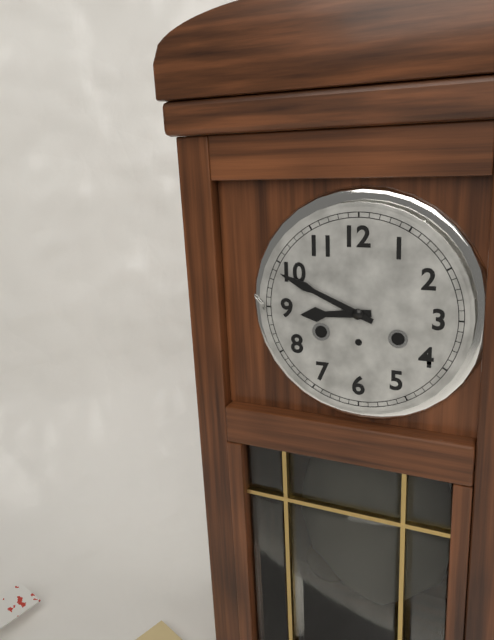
8:49
